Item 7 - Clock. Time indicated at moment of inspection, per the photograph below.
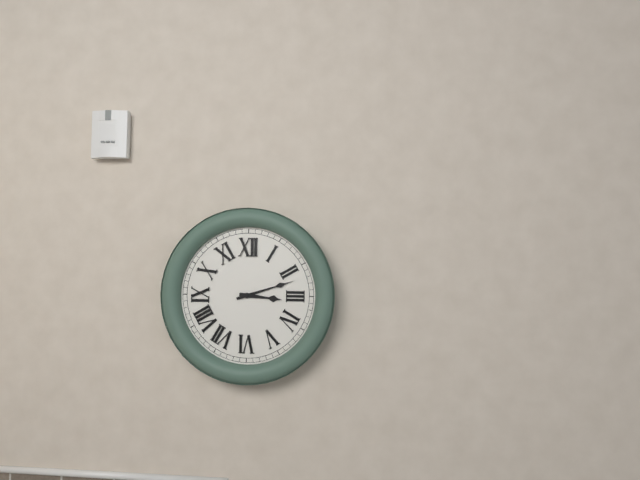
3:12
